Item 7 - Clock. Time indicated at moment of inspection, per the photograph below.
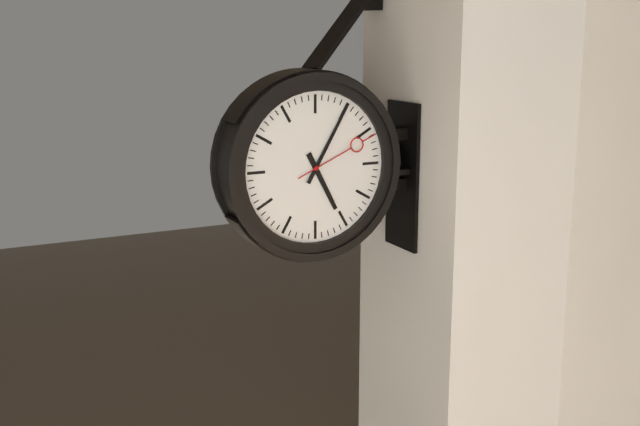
5:05:11
